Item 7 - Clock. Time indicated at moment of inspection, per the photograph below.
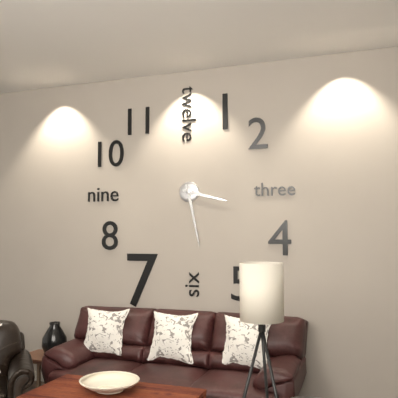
3:28
